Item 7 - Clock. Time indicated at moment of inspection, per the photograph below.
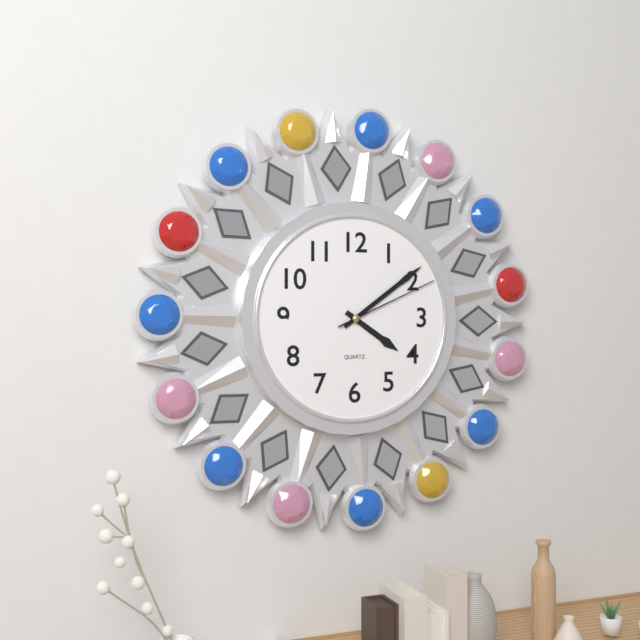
4:09:11
